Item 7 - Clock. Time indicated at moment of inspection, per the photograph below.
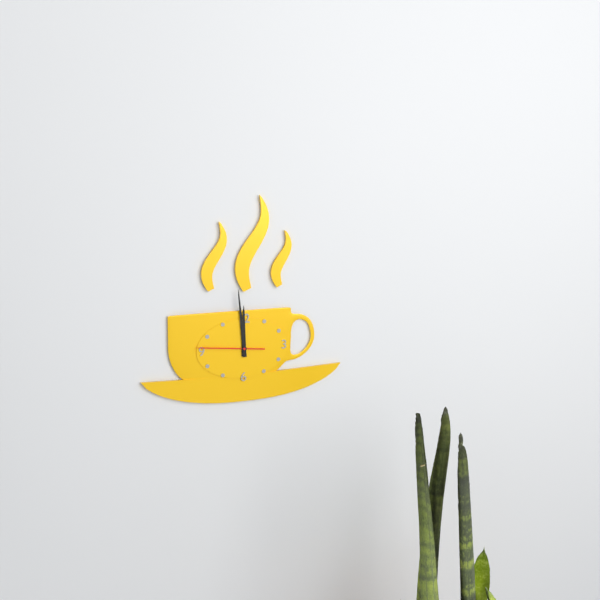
11:59:46
